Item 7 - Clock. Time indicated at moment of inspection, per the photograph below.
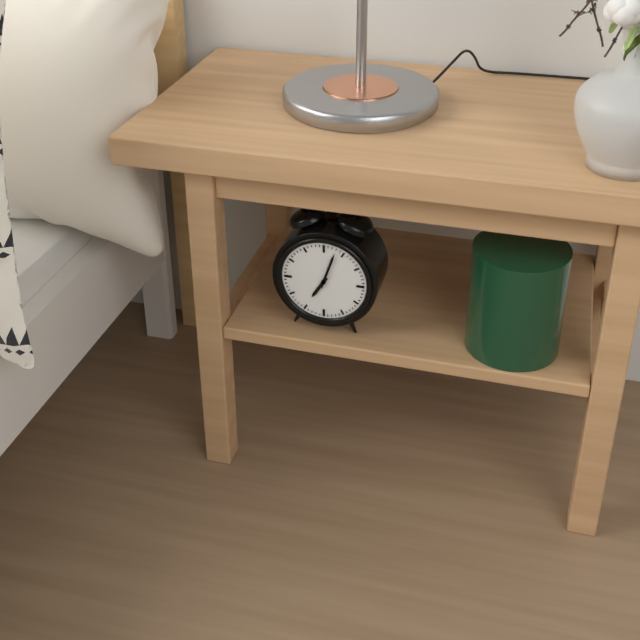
7:03
